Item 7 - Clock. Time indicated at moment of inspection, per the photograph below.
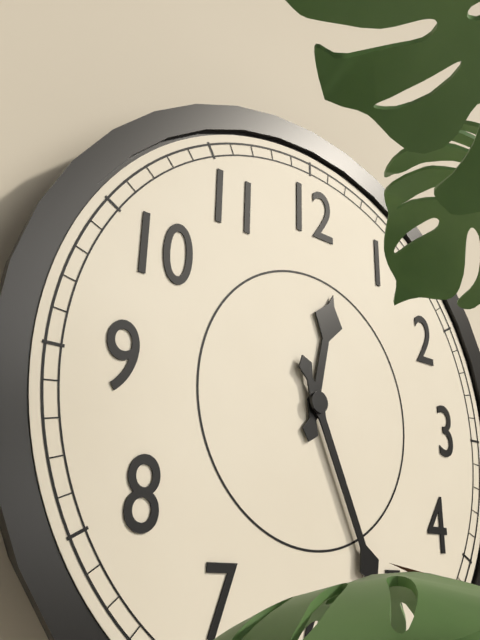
12:26
